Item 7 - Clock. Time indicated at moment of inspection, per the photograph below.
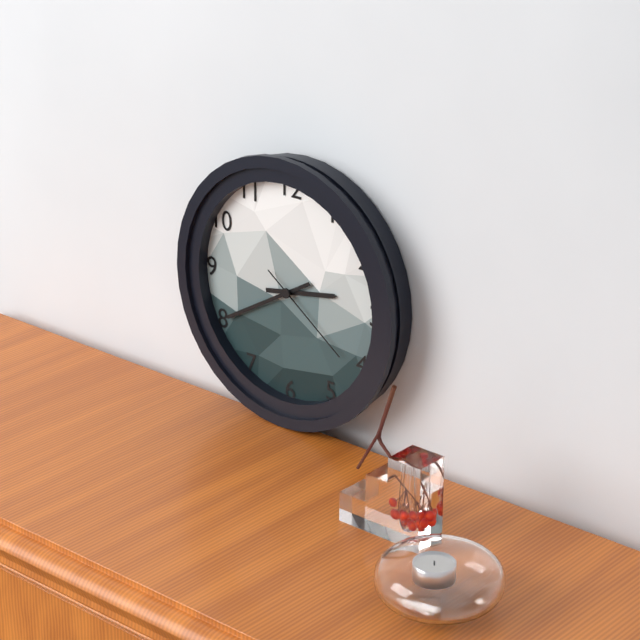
2:40:21
